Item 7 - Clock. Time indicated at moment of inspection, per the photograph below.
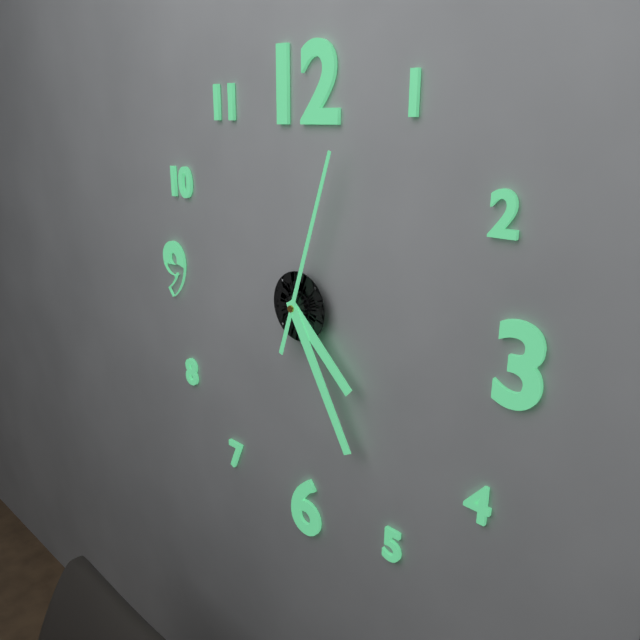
4:25:03
